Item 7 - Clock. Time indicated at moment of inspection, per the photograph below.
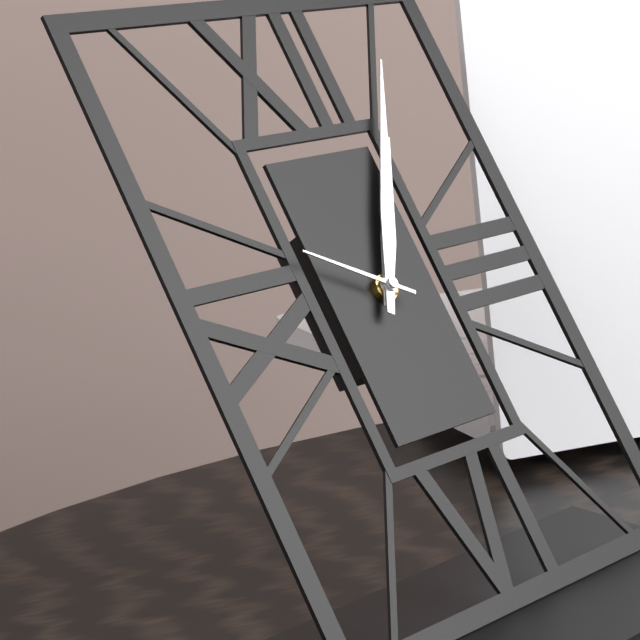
1:05:50
